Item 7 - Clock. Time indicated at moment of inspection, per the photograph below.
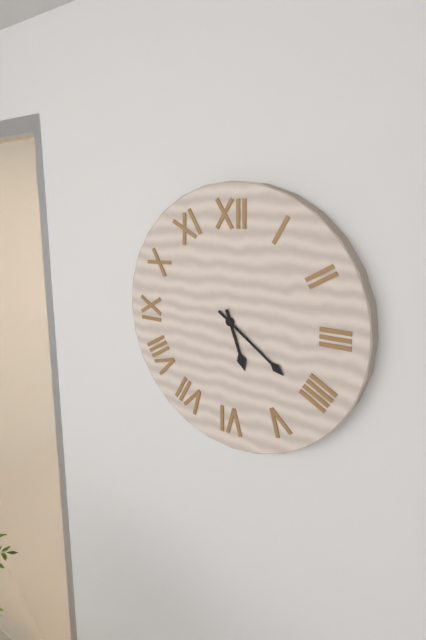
5:21
